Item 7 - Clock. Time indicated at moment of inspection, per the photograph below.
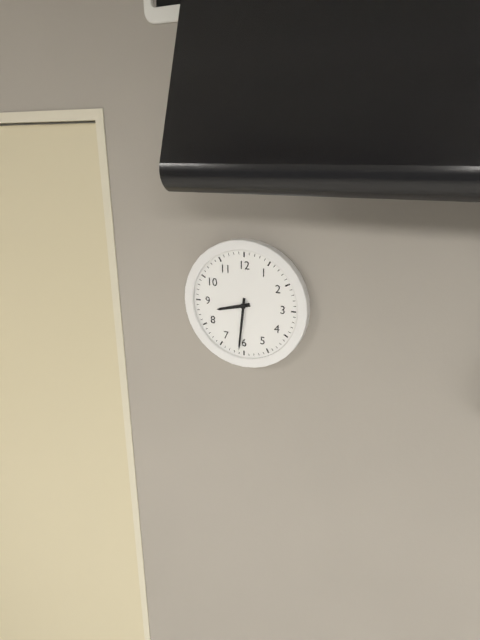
8:31
